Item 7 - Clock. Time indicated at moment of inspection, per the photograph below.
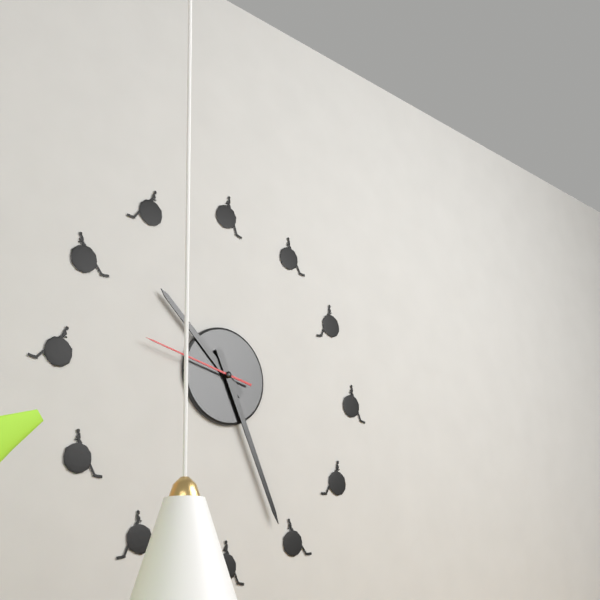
10:26:47
